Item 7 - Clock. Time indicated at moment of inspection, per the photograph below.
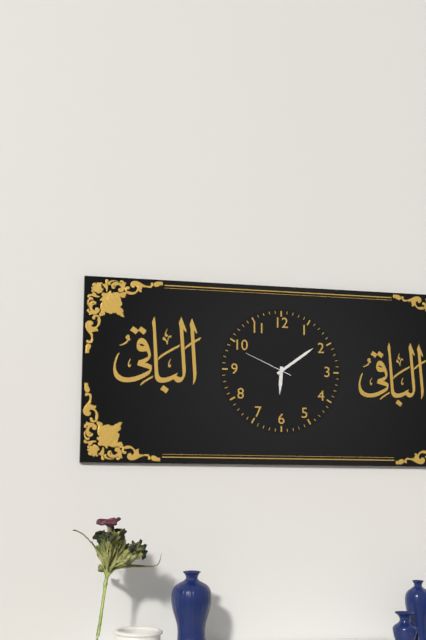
6:09:49
